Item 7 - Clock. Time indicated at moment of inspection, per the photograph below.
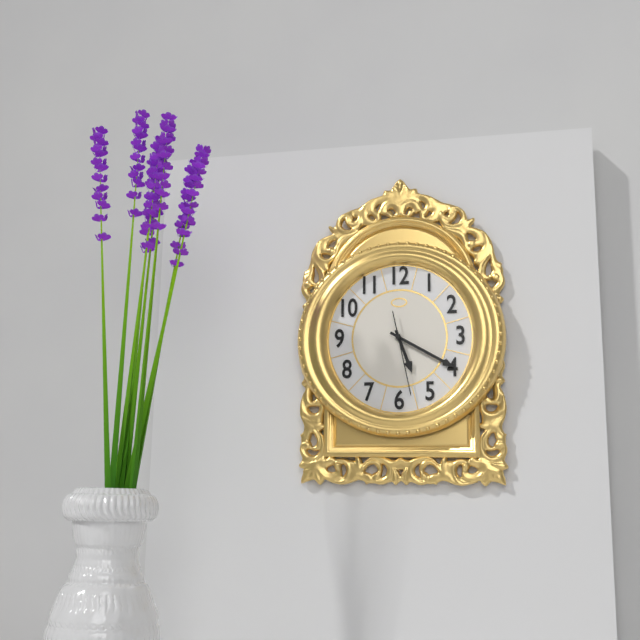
5:20:28
